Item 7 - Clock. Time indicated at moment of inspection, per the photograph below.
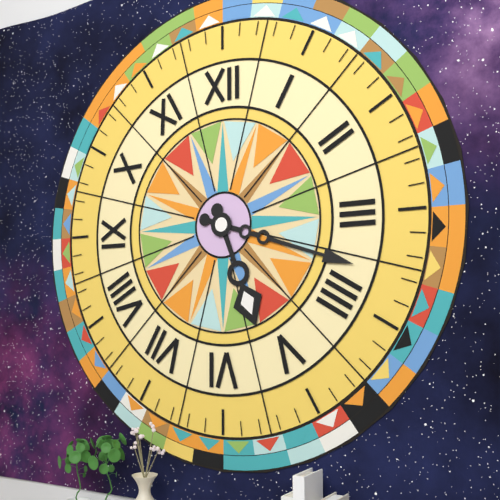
5:18
